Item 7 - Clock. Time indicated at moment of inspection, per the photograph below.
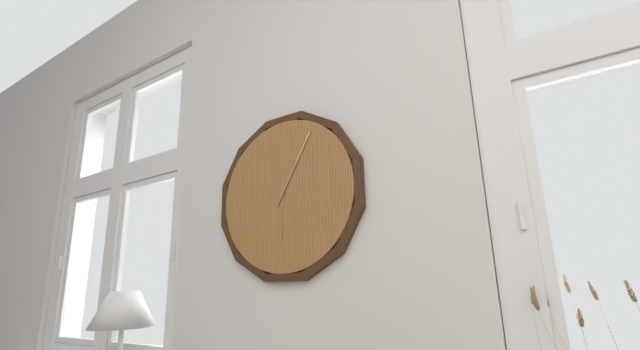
6:05
